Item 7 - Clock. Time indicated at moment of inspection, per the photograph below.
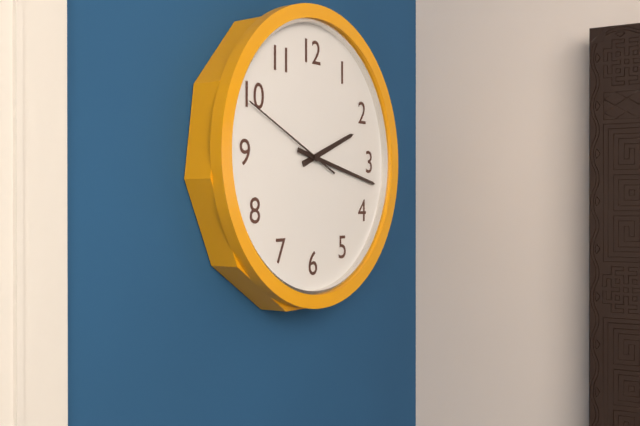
2:17:49
